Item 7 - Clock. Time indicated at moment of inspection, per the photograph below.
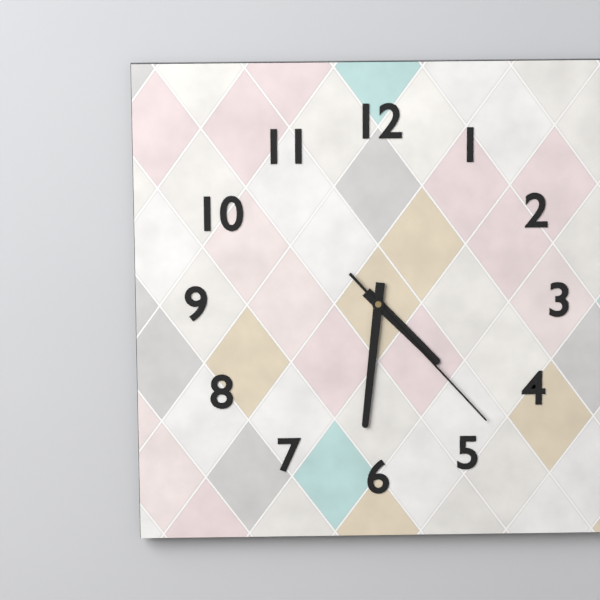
4:31:23
